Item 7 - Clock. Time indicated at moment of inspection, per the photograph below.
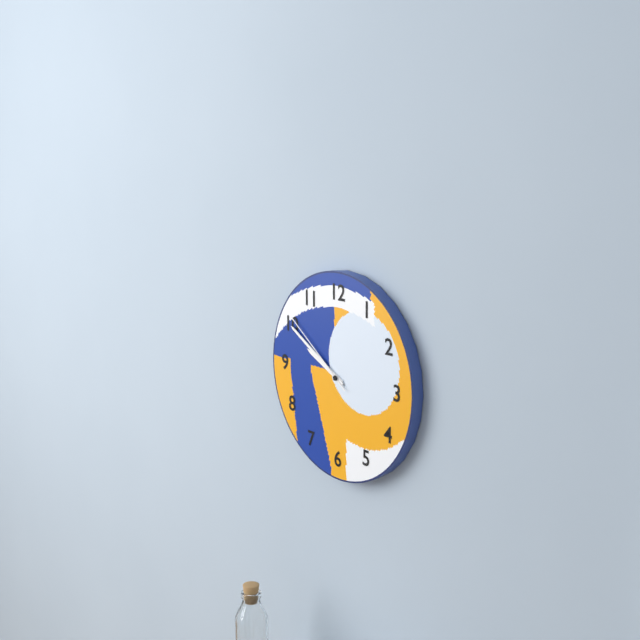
9:50:51
